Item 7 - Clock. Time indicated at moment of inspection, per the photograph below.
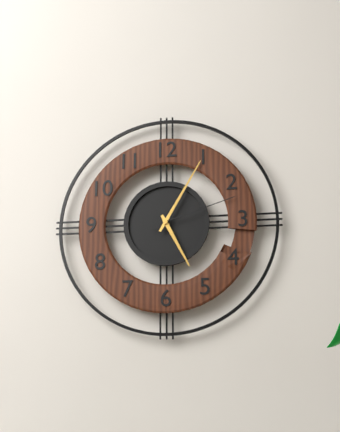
5:05:12
